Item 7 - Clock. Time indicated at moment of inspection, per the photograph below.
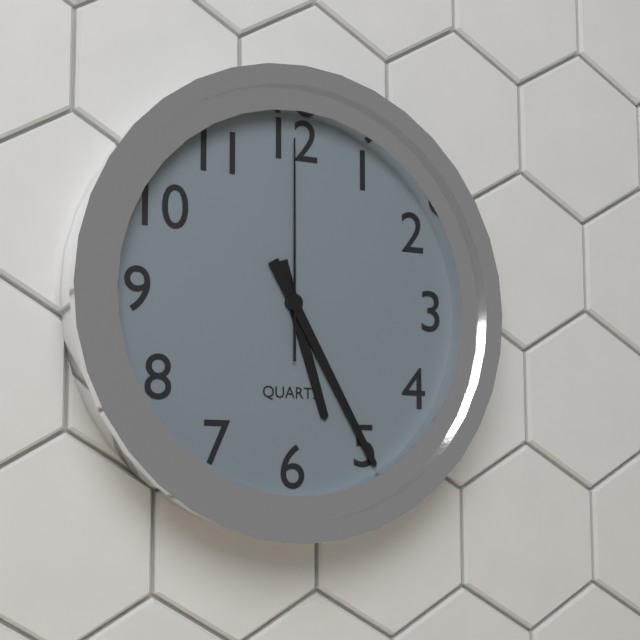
5:25:00
